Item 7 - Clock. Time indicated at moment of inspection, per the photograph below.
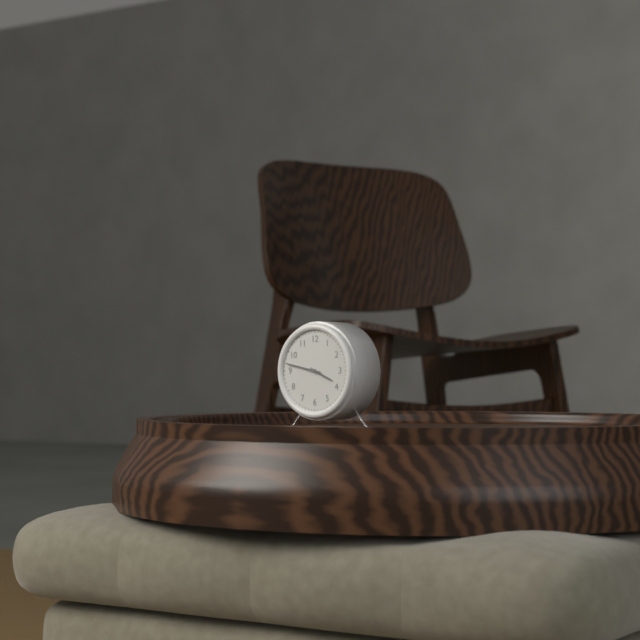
3:47
